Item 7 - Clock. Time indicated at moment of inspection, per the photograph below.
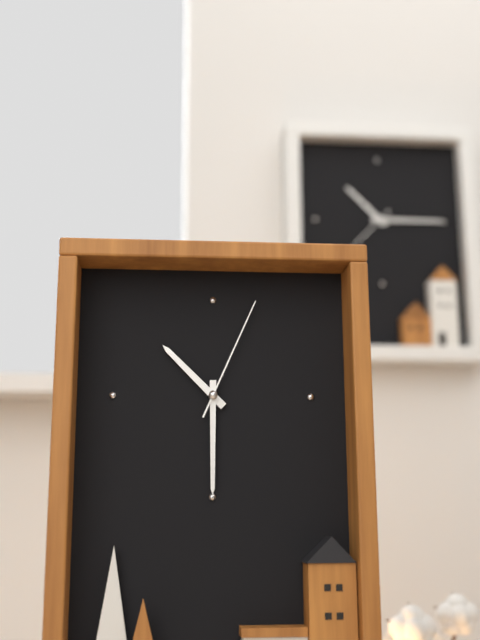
10:30:04
